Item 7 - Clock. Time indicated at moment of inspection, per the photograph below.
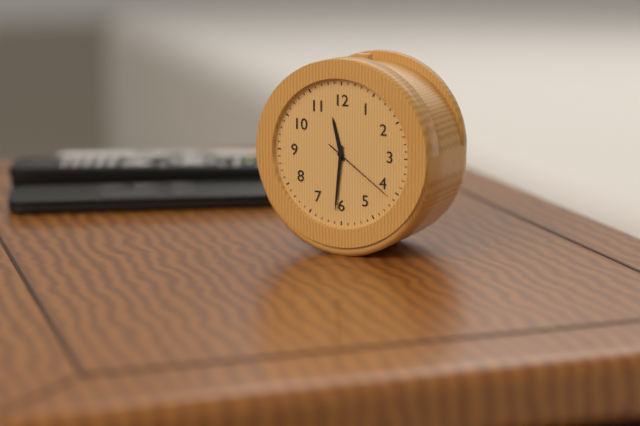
11:31:21
